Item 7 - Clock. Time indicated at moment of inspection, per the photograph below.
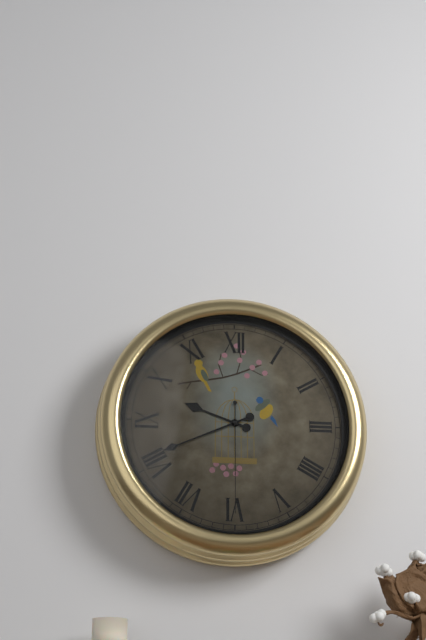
9:41:30
